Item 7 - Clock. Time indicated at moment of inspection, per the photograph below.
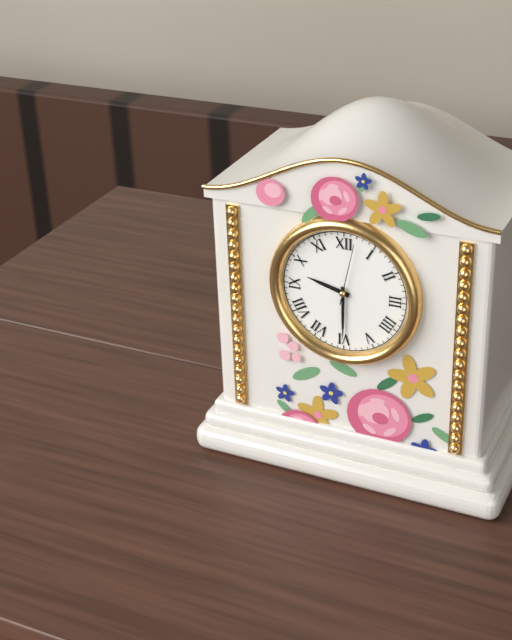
9:30:02
